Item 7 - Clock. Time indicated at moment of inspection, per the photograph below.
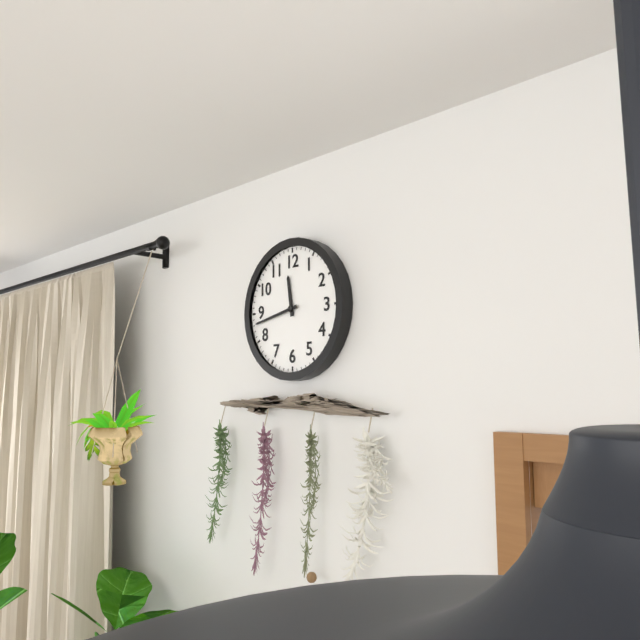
11:43
